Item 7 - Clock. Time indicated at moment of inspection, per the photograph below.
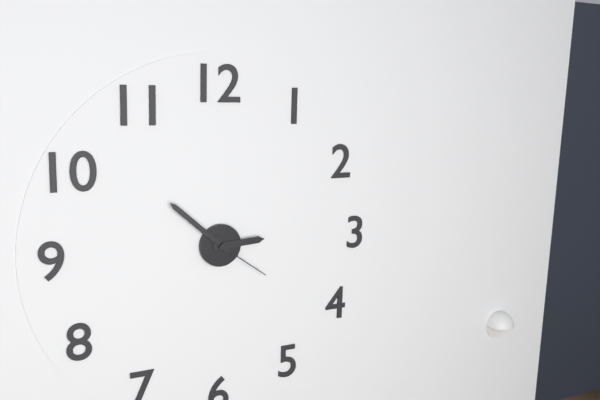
2:52:21
